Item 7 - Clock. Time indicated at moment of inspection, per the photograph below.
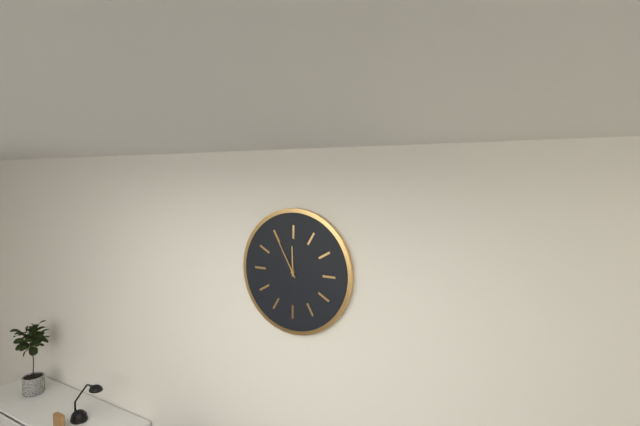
11:55
